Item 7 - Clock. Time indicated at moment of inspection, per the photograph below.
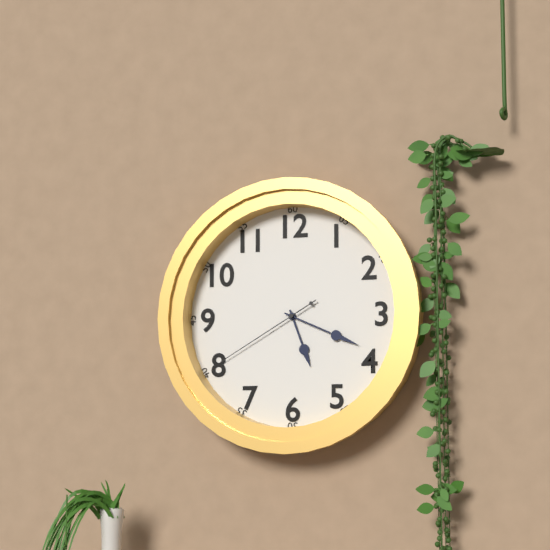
5:19:40
